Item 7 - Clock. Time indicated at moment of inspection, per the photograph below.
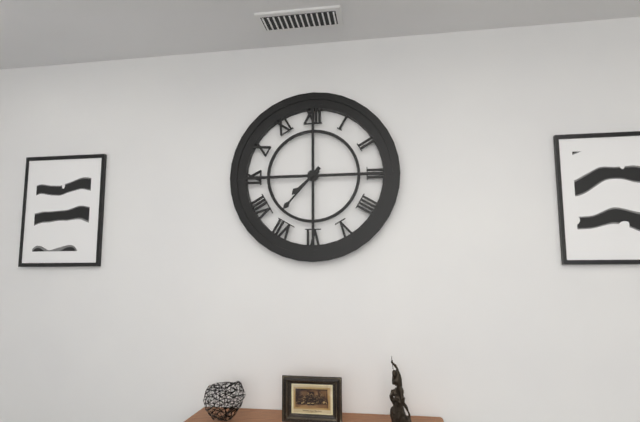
7:37
